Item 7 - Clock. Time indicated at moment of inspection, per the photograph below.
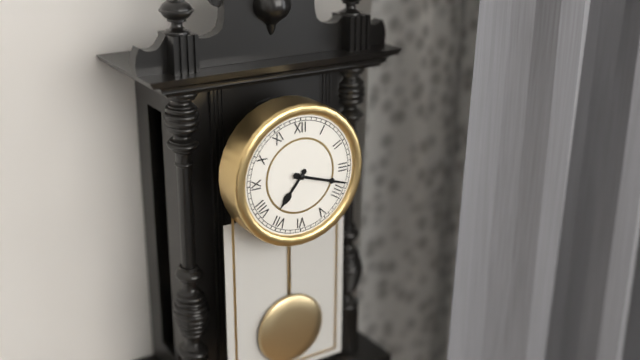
7:18
